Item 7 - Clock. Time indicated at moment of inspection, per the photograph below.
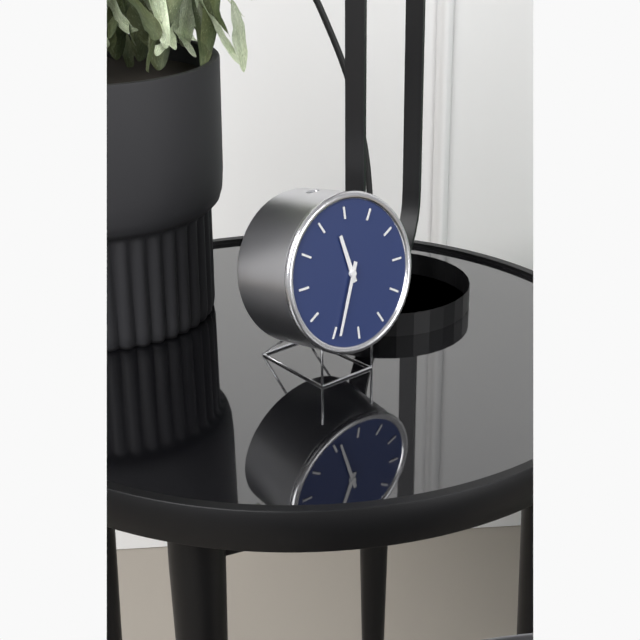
11:34
